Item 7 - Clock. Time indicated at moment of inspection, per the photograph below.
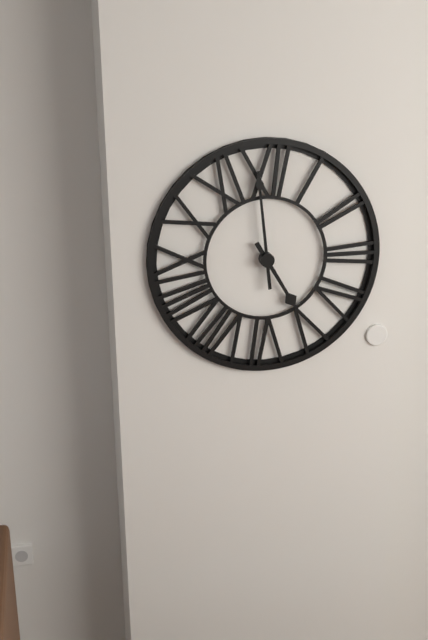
4:59
